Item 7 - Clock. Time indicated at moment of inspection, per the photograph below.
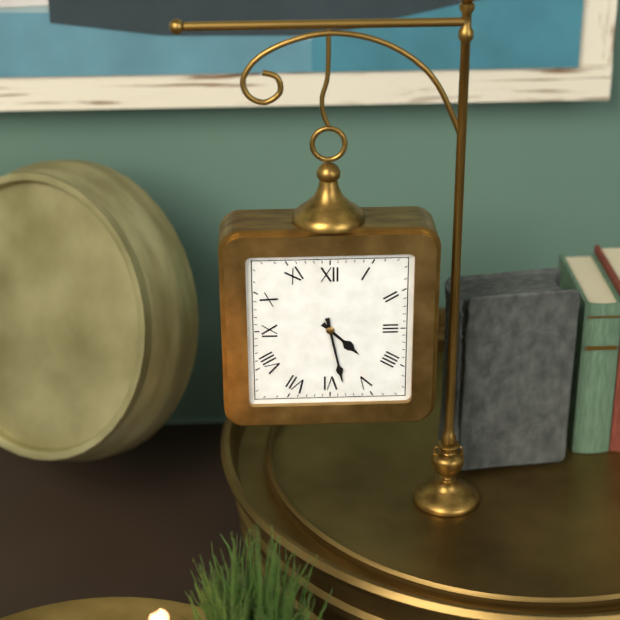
4:28
